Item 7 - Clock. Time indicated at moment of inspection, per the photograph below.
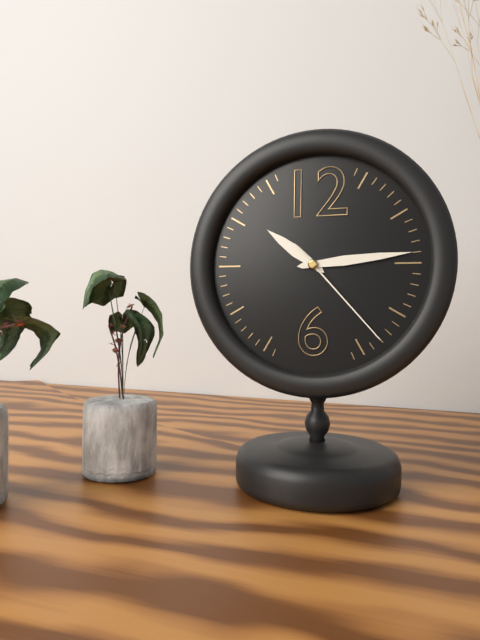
10:14:23
